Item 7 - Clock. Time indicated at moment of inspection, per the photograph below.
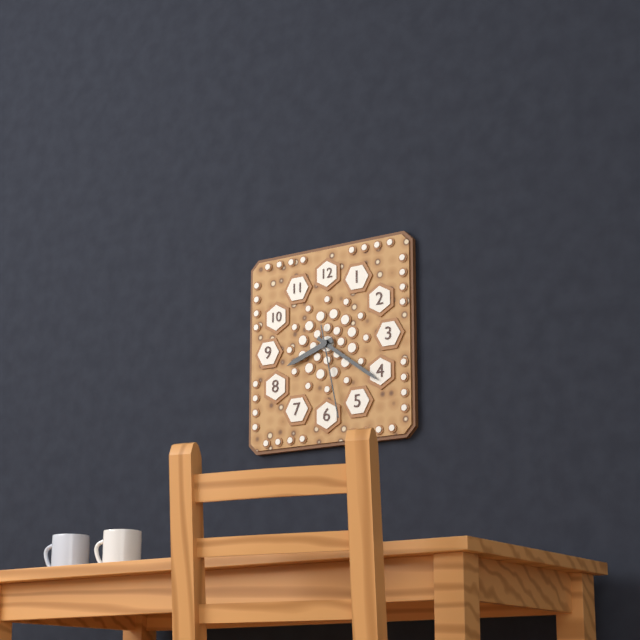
8:21:28
